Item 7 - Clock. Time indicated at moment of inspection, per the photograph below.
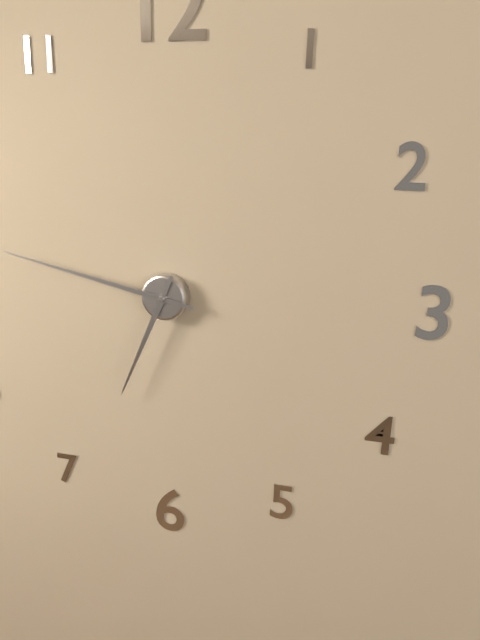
6:47
